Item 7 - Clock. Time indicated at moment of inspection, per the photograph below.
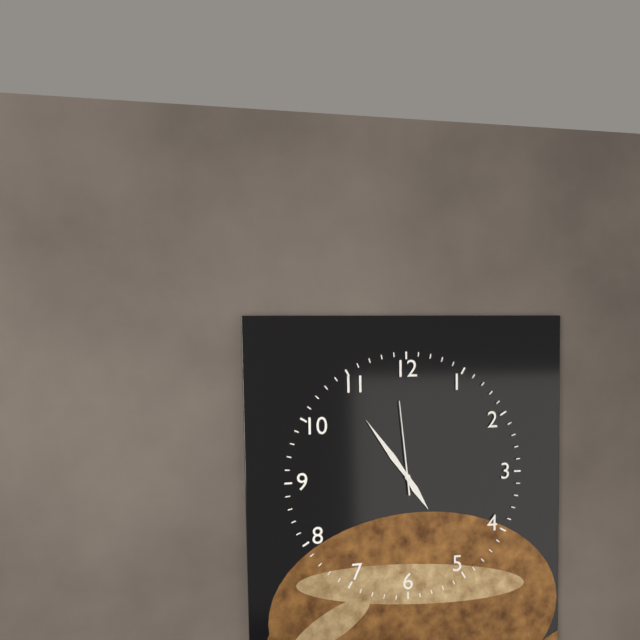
4:54:59
